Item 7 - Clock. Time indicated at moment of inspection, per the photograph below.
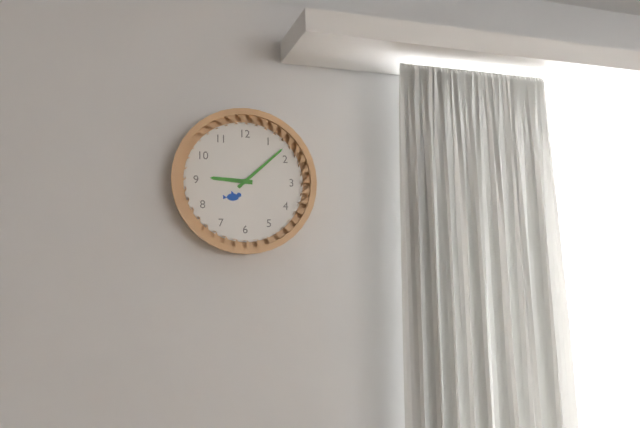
9:08
